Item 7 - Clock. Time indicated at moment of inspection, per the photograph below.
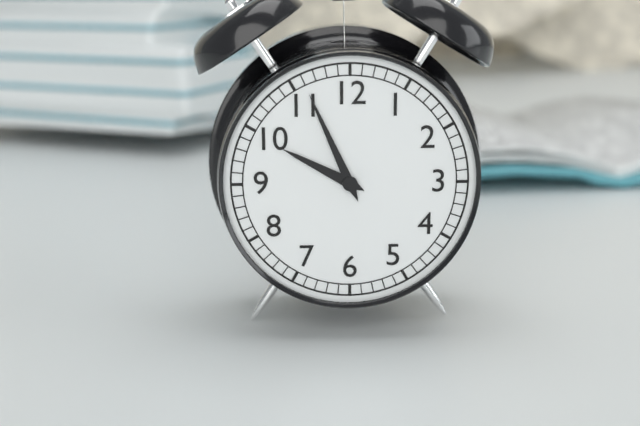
9:56
